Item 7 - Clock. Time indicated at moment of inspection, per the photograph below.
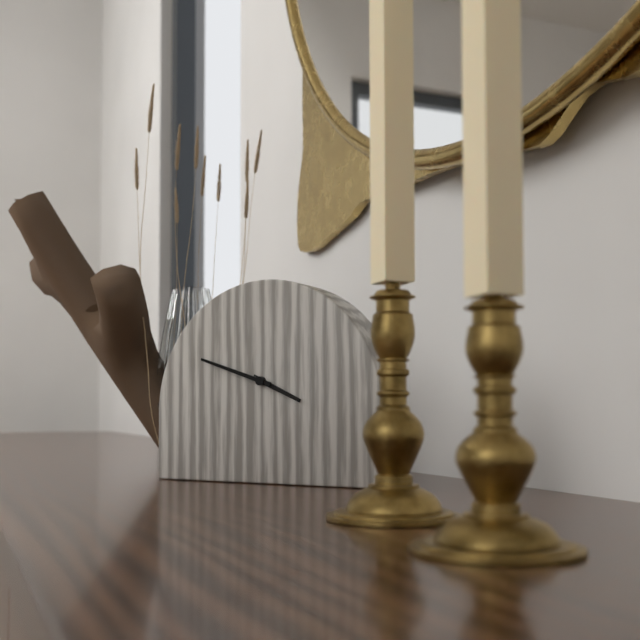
3:48
